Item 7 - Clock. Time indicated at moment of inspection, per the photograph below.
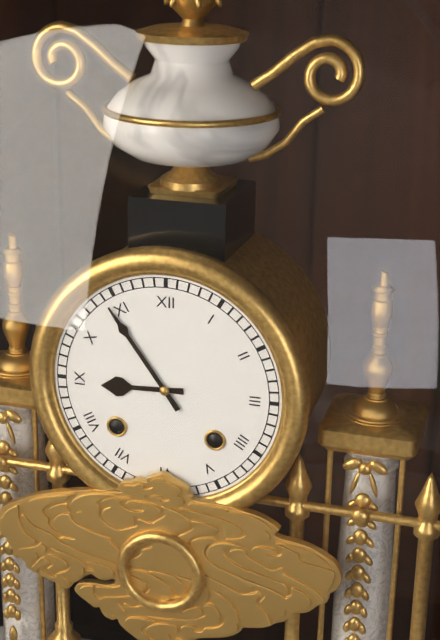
8:54
